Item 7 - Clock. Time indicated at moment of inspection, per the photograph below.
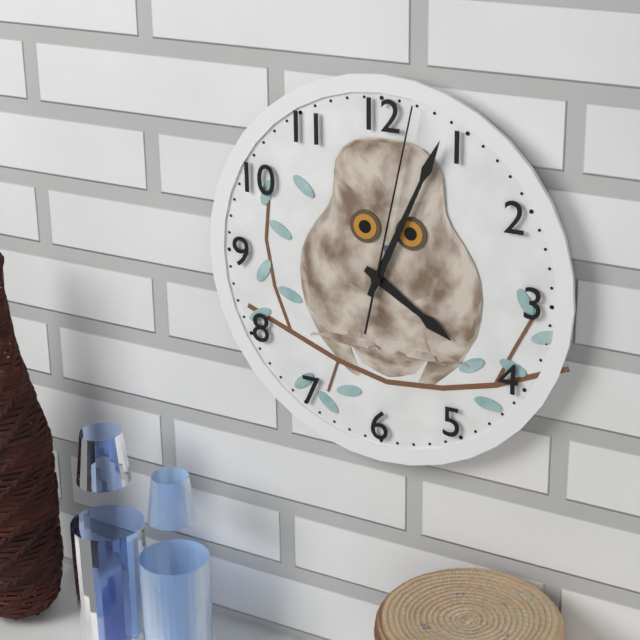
4:04:02
